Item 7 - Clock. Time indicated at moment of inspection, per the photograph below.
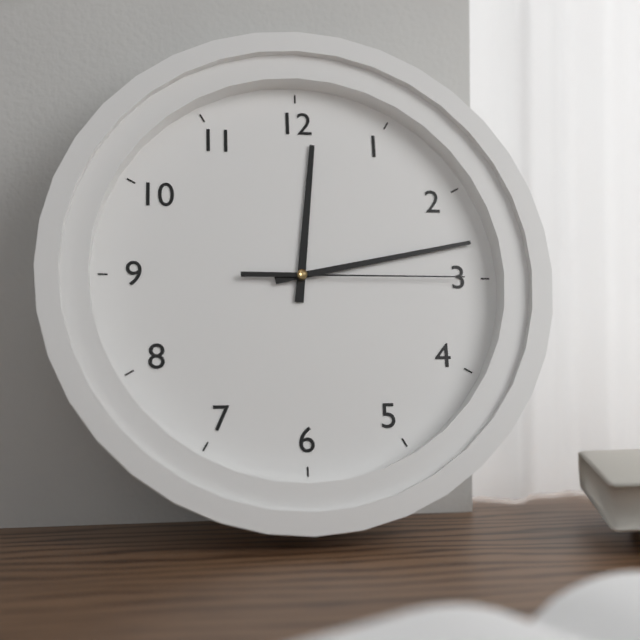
12:13:15
